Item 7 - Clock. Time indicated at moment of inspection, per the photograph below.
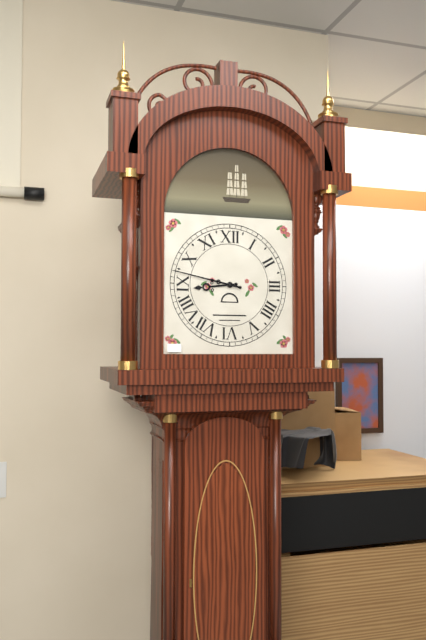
8:47
